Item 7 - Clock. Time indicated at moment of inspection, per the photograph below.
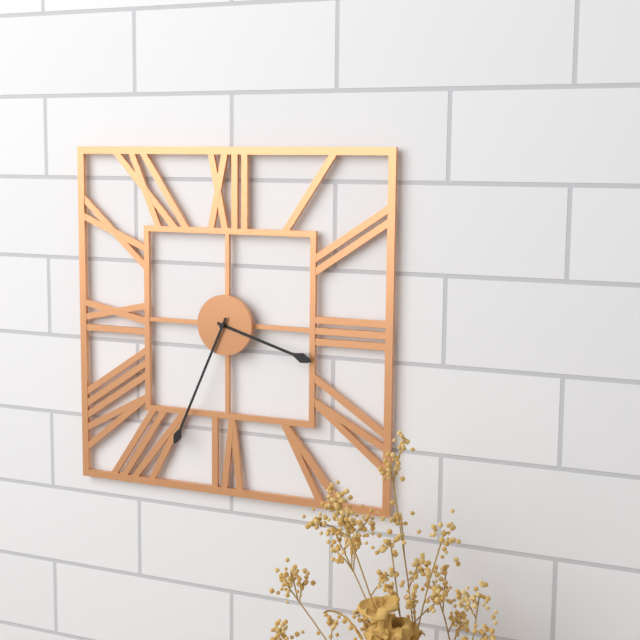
3:34
